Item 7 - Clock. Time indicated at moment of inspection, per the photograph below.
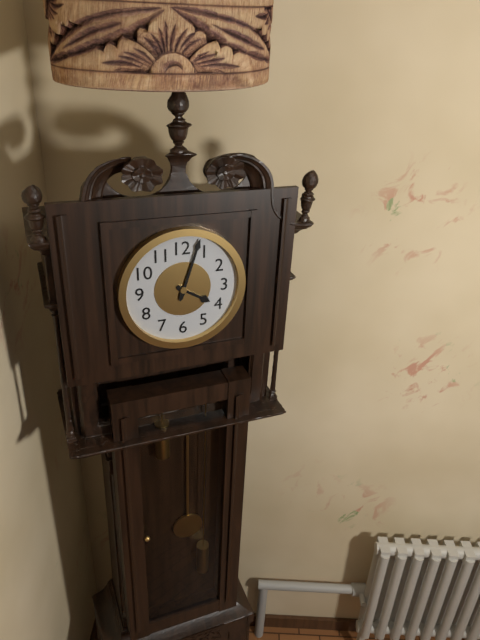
4:03
